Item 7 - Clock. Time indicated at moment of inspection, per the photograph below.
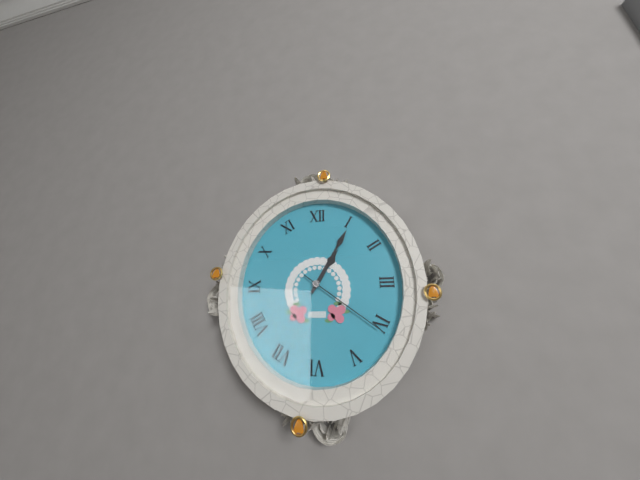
1:05:21
